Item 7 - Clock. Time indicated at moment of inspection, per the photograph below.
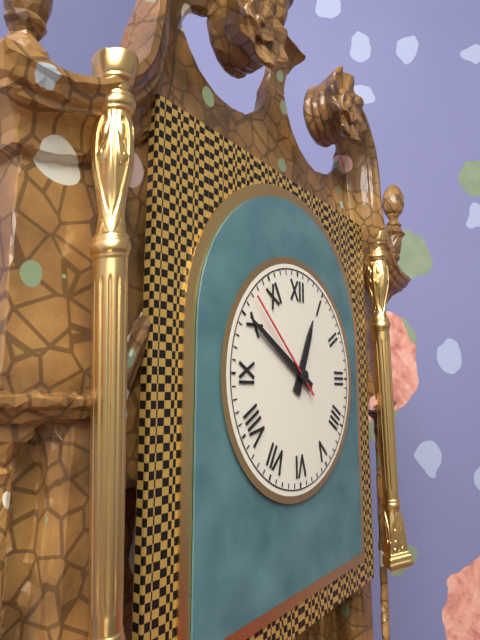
12:50:52
